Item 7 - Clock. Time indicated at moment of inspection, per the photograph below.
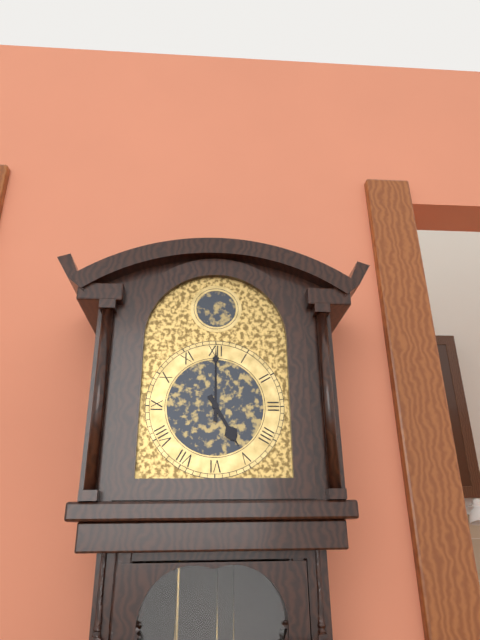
5:00
